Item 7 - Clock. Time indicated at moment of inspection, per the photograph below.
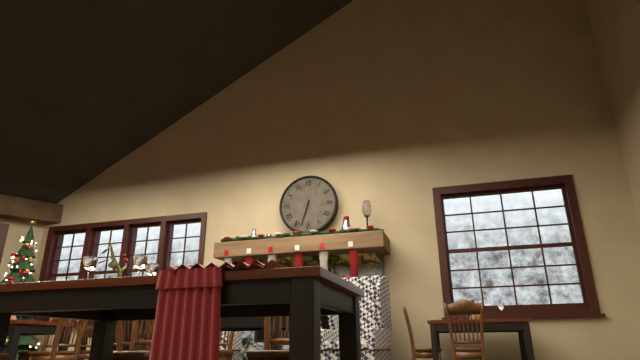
6:33
